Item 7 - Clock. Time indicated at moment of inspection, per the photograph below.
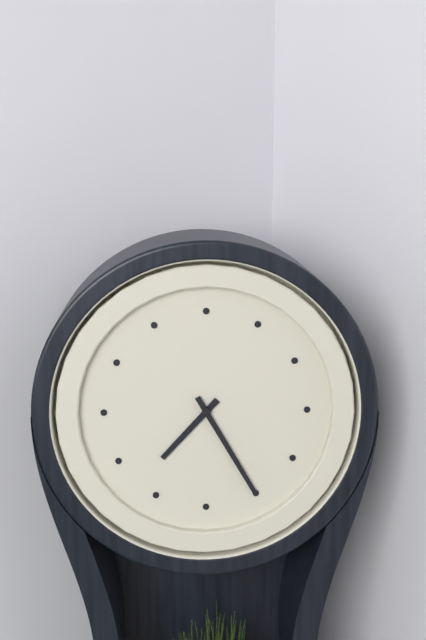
7:25
